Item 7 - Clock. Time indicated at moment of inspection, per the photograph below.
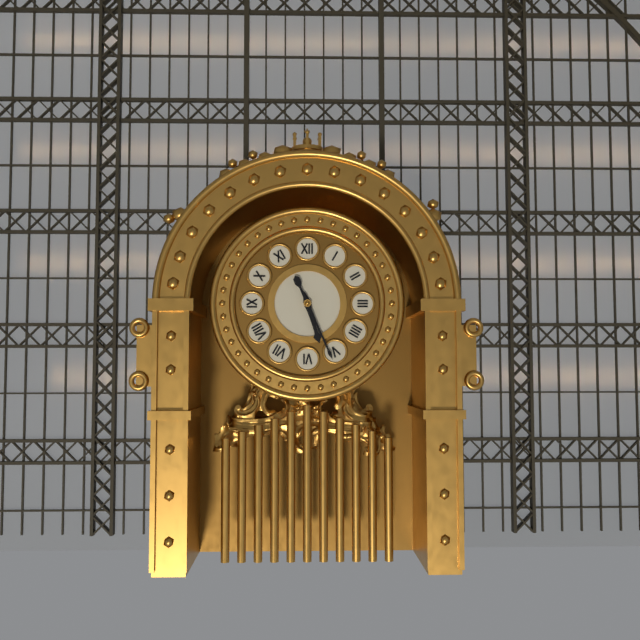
5:26
